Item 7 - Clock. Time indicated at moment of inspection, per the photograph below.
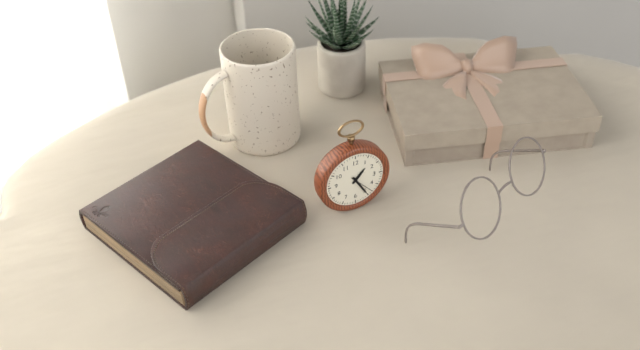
1:25
